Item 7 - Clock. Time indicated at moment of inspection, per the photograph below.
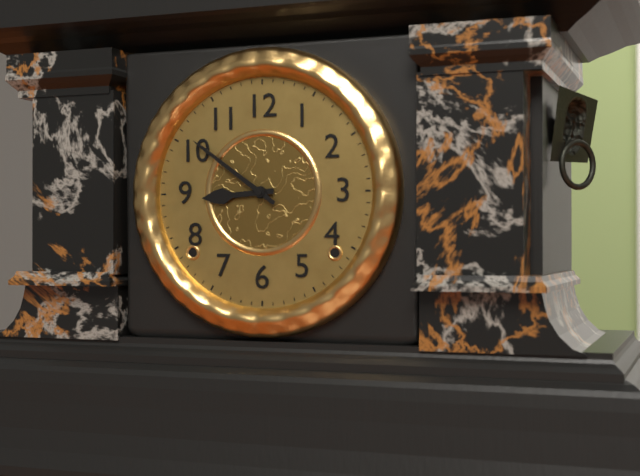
8:51
